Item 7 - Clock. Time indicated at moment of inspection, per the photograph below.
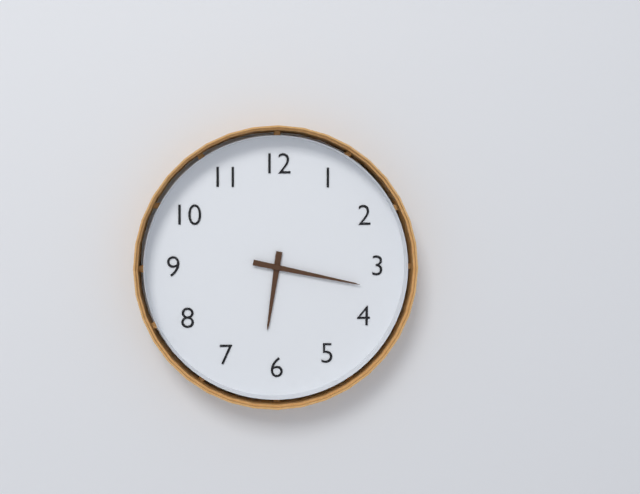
6:17
